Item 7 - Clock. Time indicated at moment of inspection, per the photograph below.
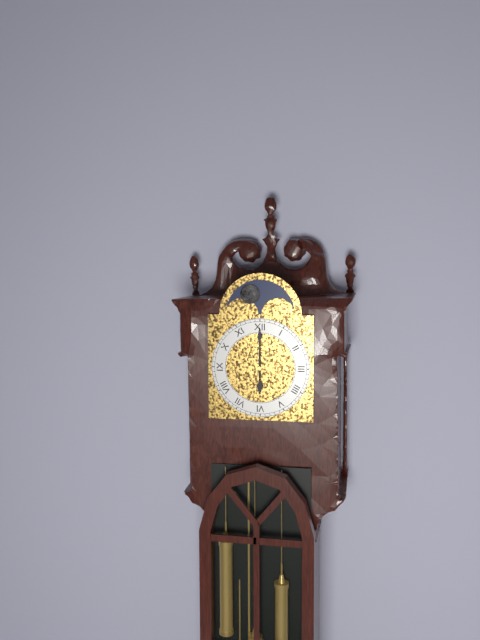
6:00
